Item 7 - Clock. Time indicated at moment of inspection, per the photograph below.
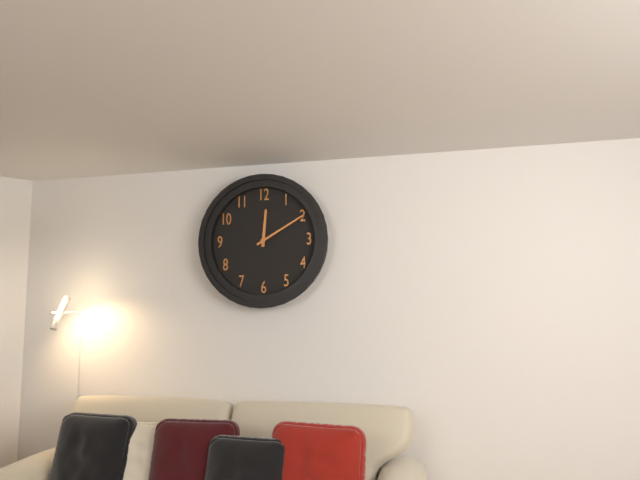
12:10
